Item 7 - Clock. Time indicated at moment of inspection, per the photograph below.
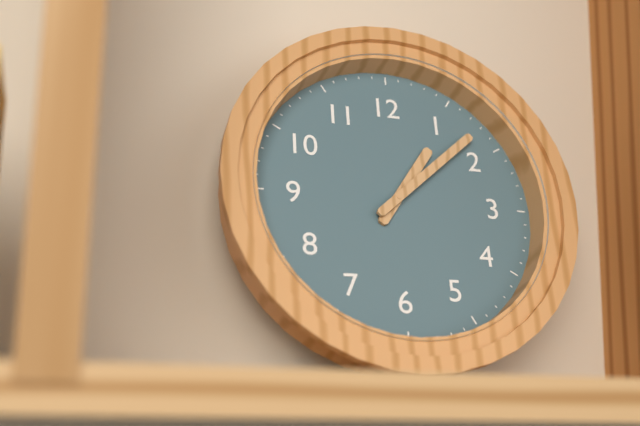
1:08
